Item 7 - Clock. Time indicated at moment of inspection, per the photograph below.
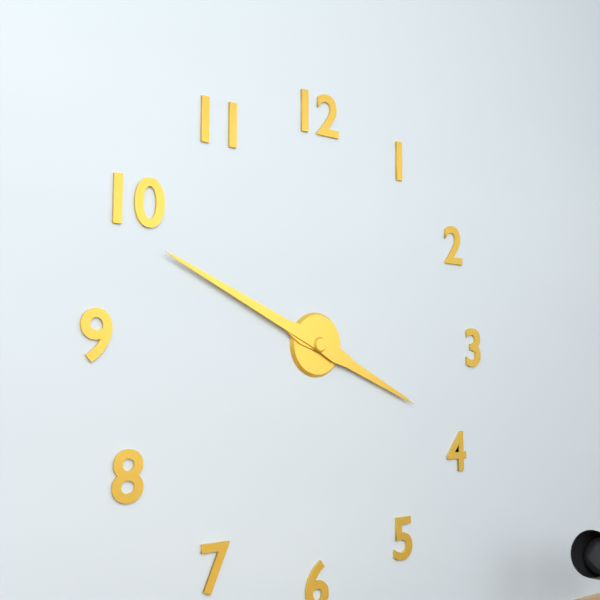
3:49
